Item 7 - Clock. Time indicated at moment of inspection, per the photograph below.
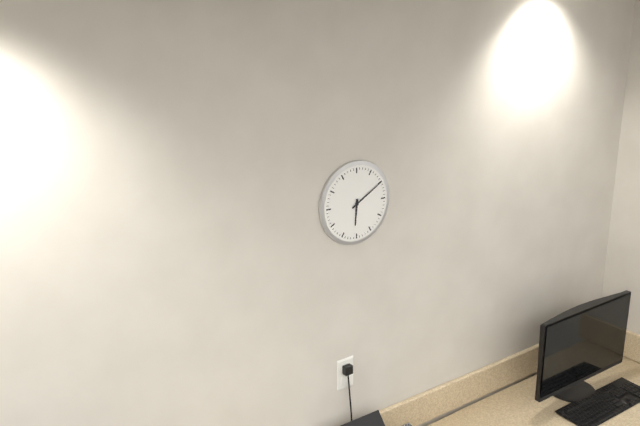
6:10
